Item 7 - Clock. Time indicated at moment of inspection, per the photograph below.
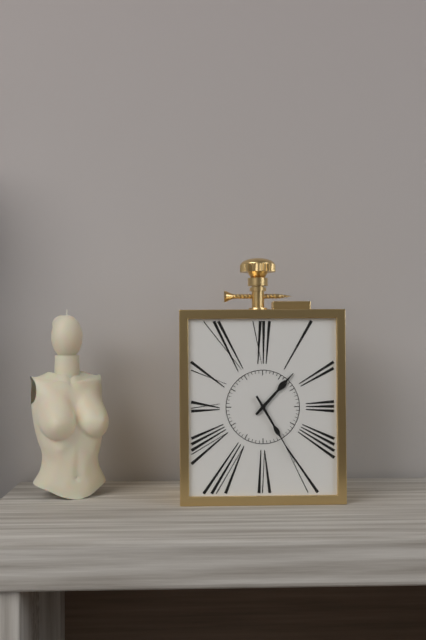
1:25
